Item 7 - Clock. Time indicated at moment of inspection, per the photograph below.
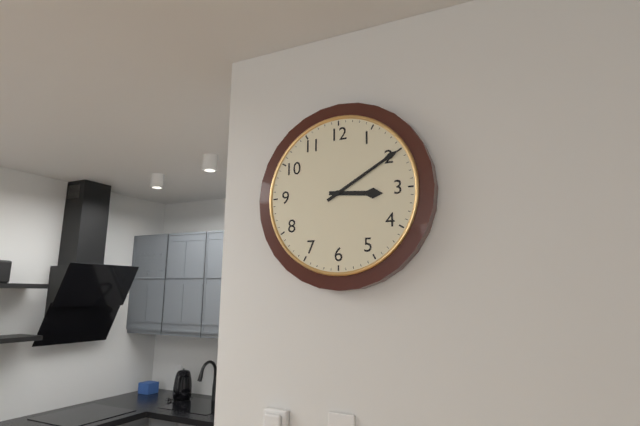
3:10
